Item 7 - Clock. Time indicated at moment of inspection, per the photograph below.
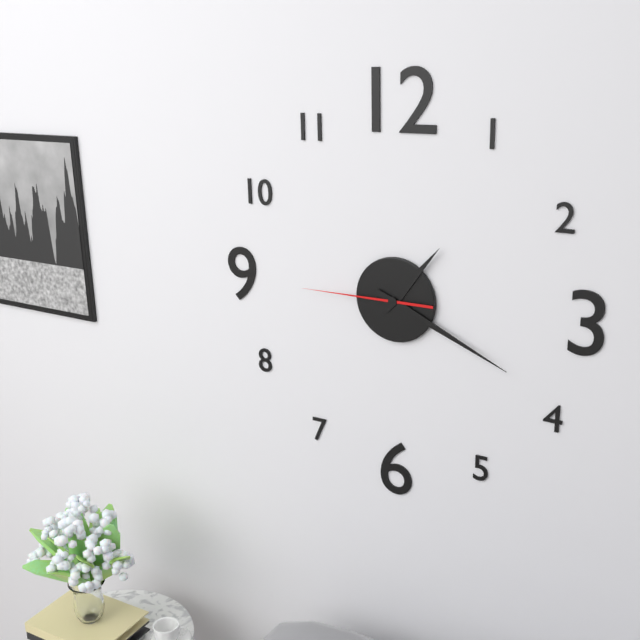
1:19:45
